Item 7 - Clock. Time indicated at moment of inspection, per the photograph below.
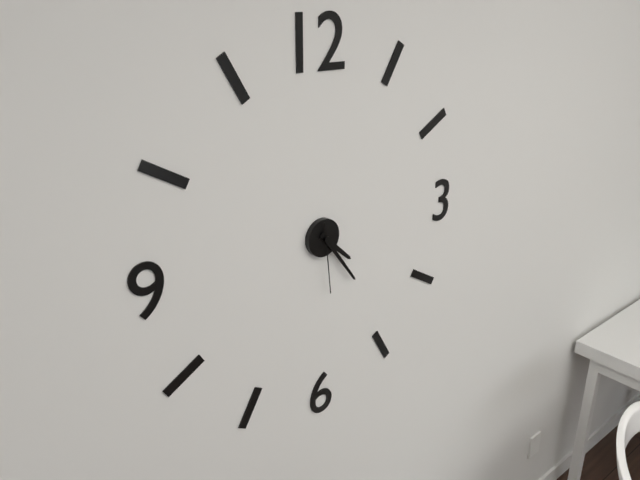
4:24:29
